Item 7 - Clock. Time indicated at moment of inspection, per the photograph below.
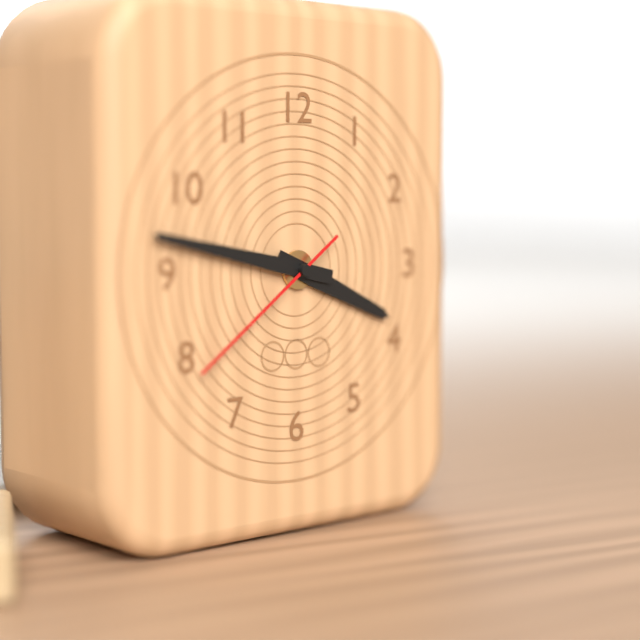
3:47:39
